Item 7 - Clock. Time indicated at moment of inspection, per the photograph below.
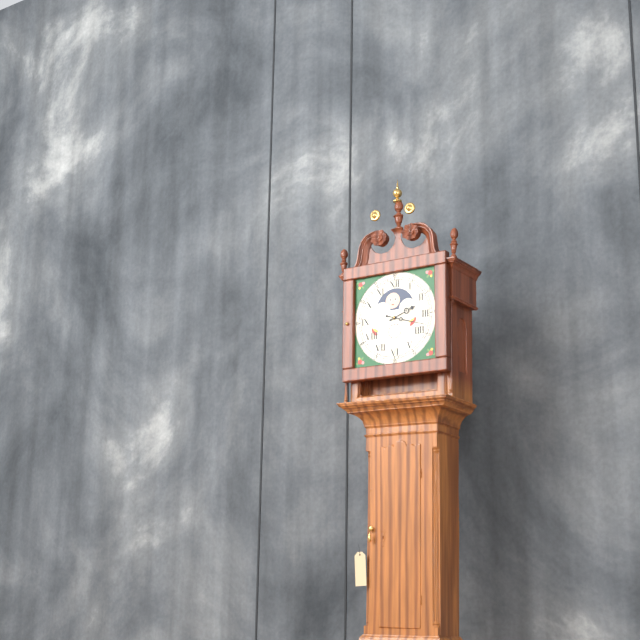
2:18
